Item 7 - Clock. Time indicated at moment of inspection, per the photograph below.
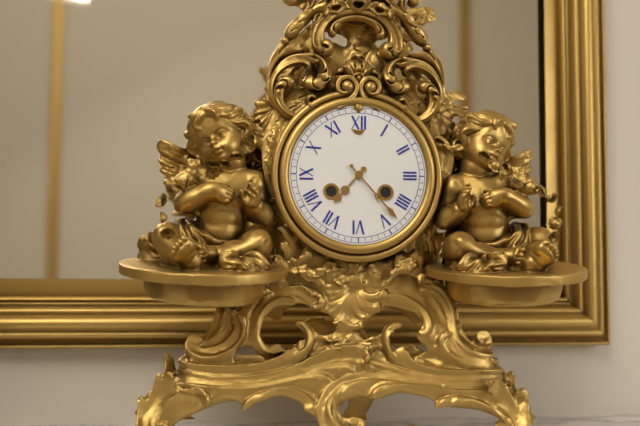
7:23
